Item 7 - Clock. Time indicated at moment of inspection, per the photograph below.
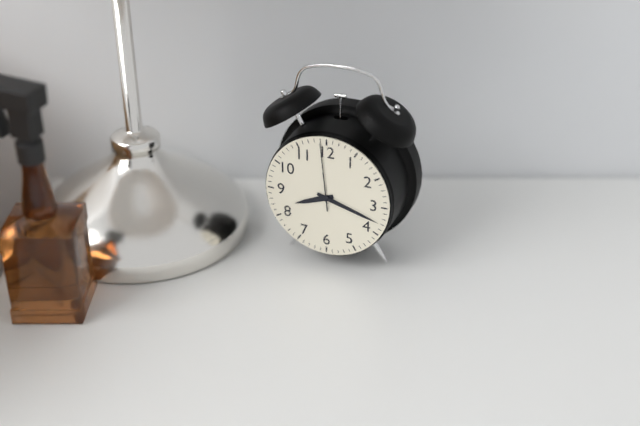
8:18:59
